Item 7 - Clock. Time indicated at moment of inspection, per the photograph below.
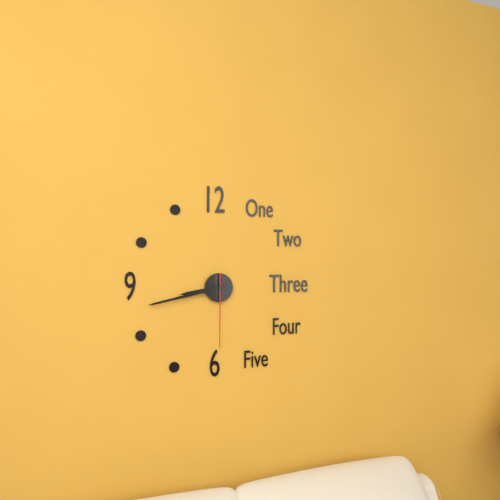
8:43:30
